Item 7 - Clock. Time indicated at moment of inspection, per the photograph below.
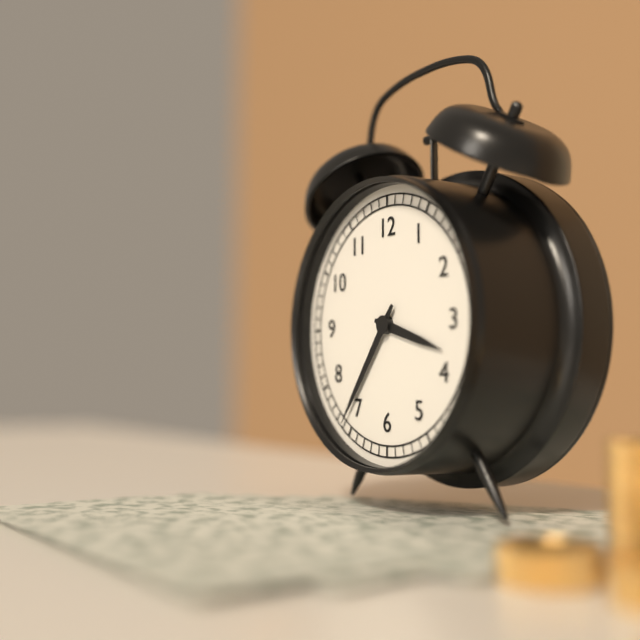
3:36
